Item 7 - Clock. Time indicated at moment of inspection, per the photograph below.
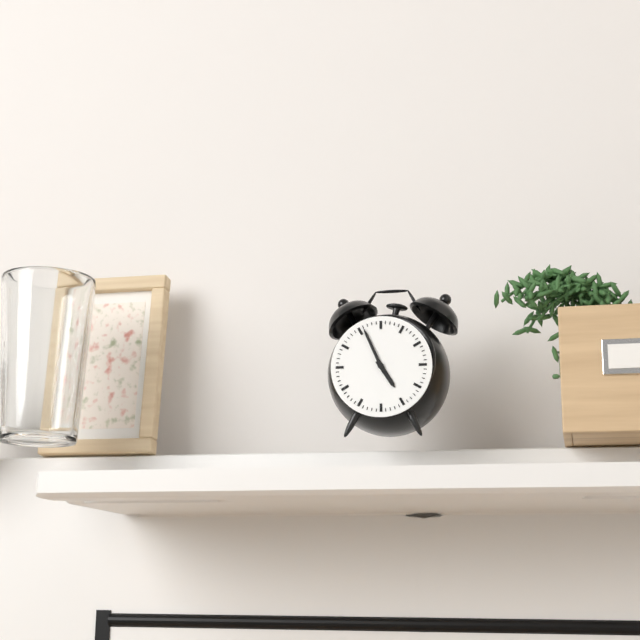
4:56
